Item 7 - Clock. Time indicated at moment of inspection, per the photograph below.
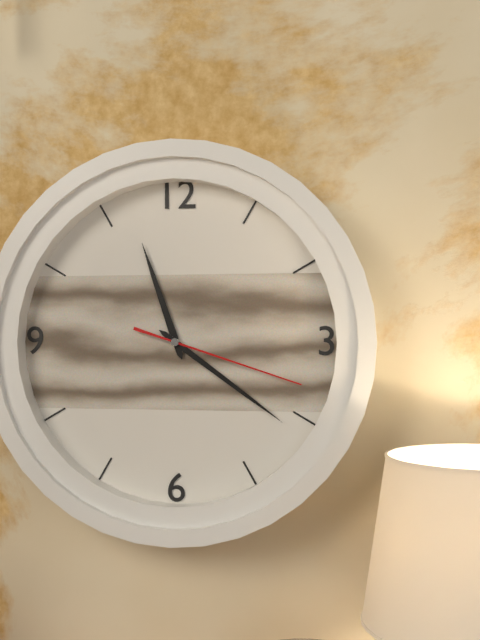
11:21:18
